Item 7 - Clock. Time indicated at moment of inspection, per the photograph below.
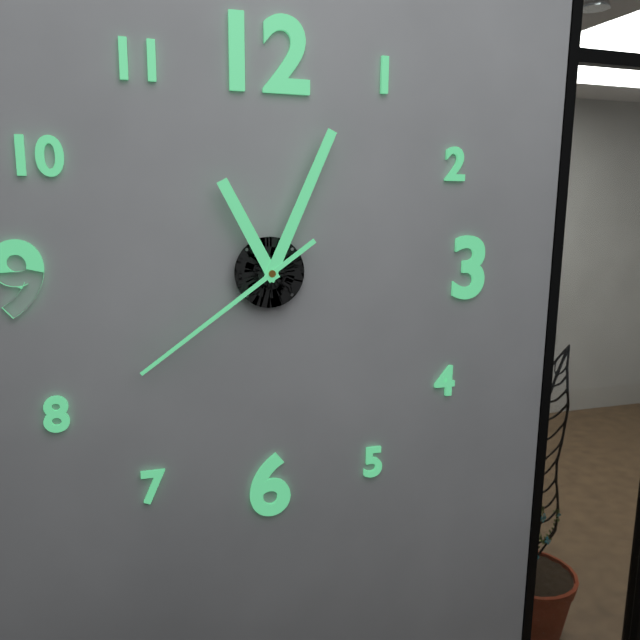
11:04:39
